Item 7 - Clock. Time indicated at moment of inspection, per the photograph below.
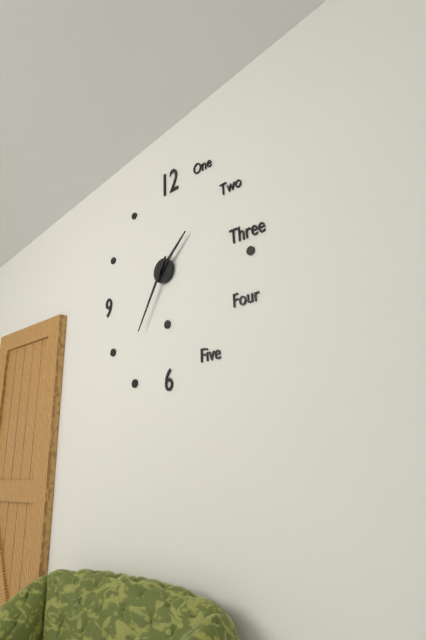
1:35
